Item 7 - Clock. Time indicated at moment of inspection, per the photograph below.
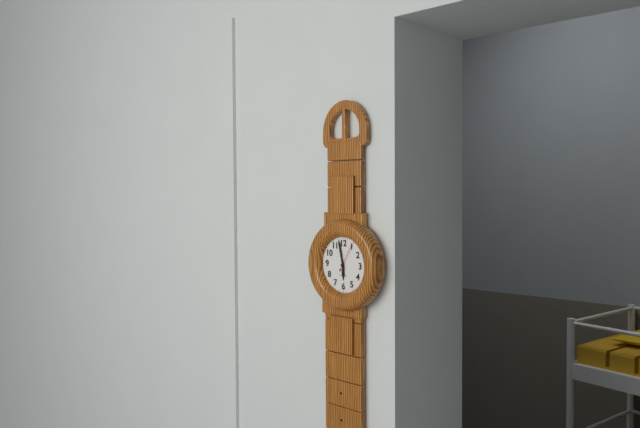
5:58
